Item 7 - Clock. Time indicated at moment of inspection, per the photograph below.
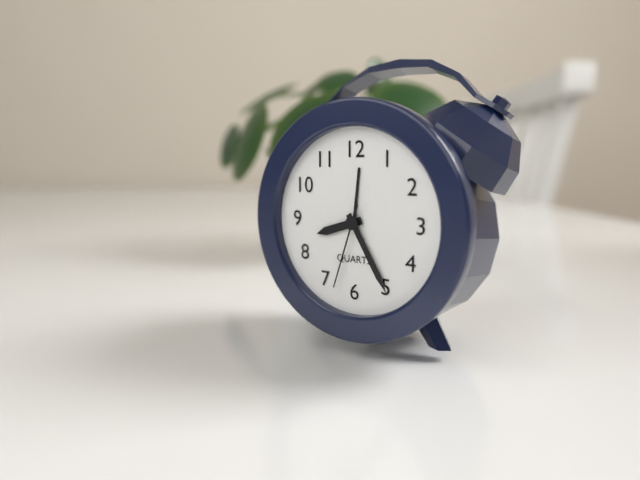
8:25:33
